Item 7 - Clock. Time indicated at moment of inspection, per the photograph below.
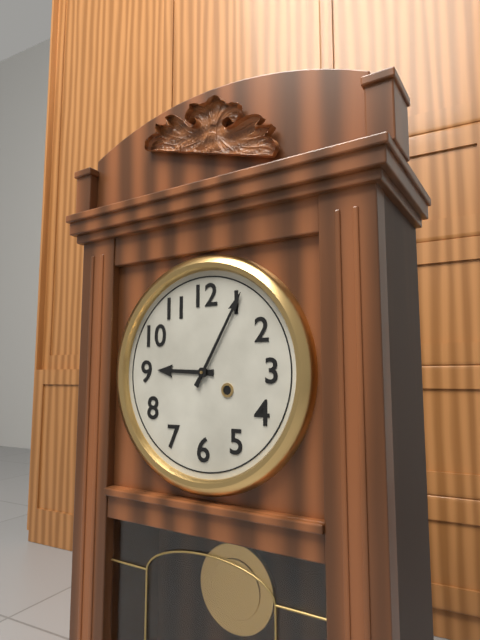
9:05
